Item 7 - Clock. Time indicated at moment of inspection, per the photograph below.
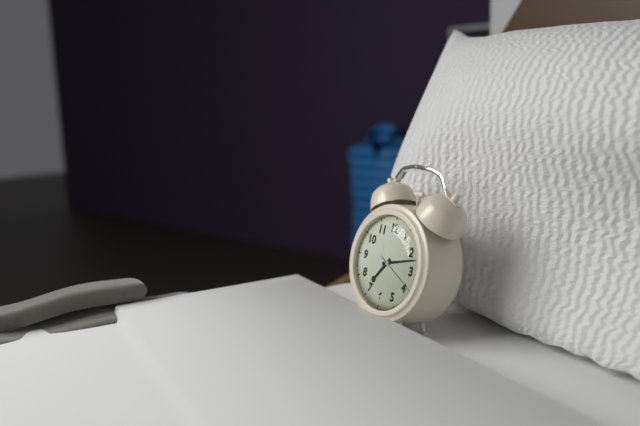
7:12
